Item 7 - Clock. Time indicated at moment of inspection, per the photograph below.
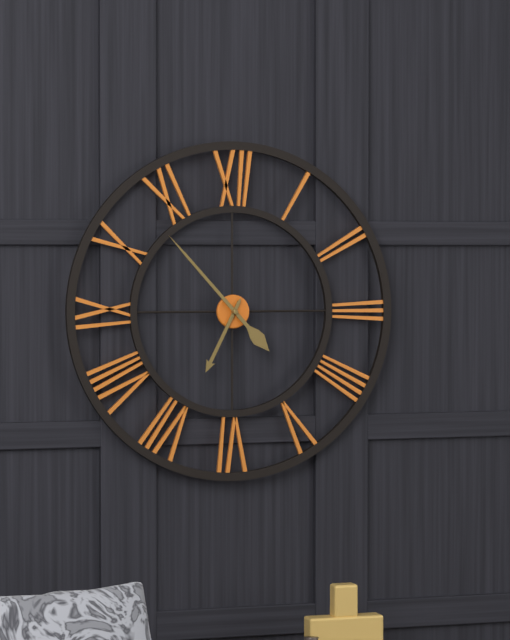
6:53
